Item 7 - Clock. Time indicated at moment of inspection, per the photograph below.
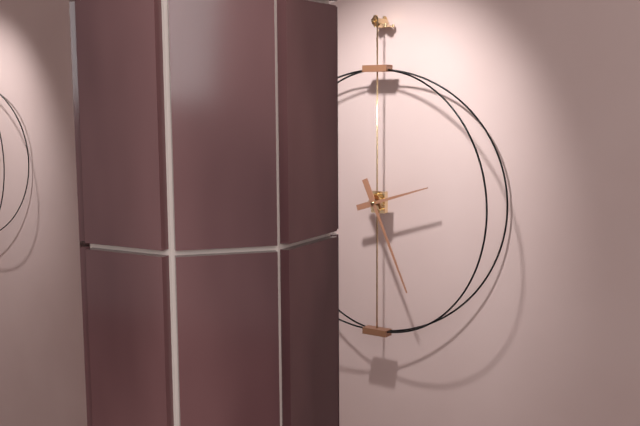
2:26
